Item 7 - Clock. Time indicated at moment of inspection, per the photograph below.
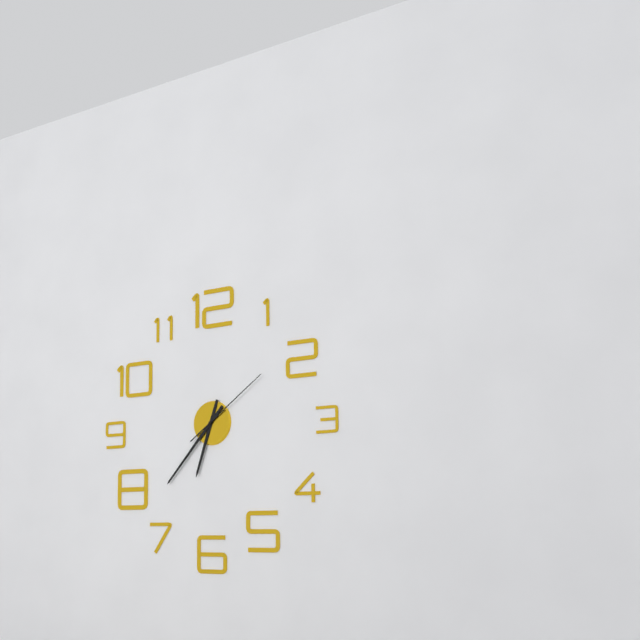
6:37:09
